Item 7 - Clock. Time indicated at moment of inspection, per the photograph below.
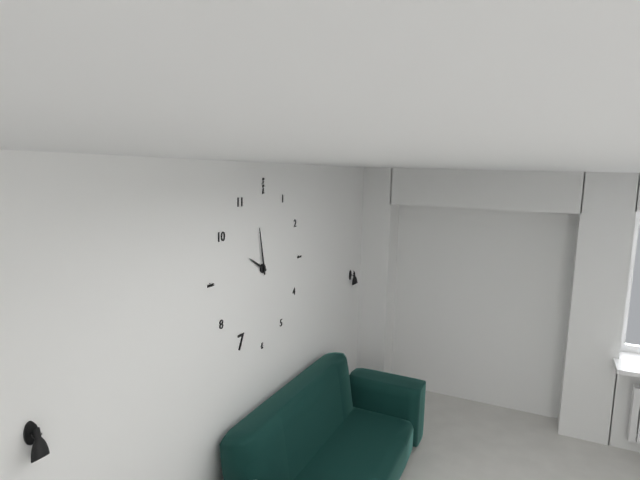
9:58
